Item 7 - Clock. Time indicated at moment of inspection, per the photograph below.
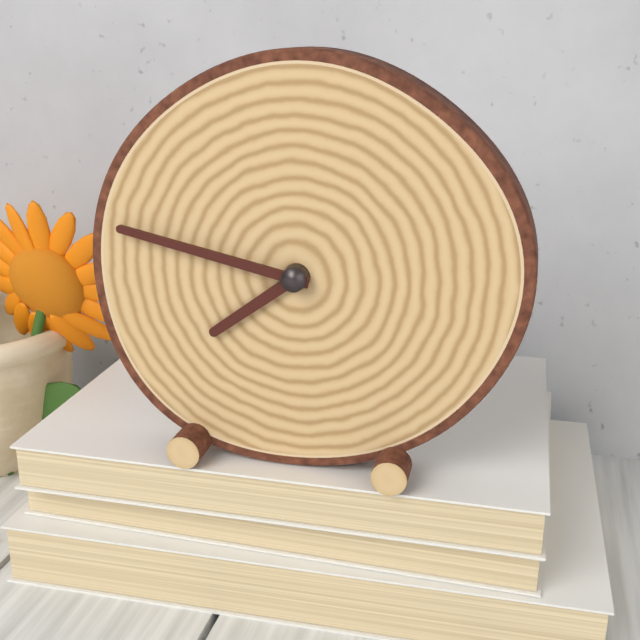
7:47
